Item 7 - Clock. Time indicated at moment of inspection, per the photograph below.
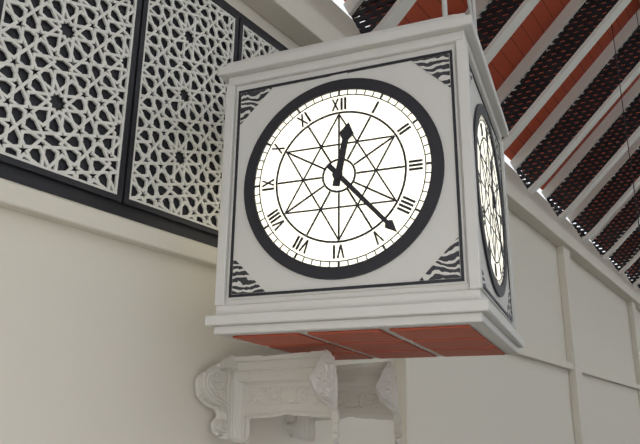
12:23
